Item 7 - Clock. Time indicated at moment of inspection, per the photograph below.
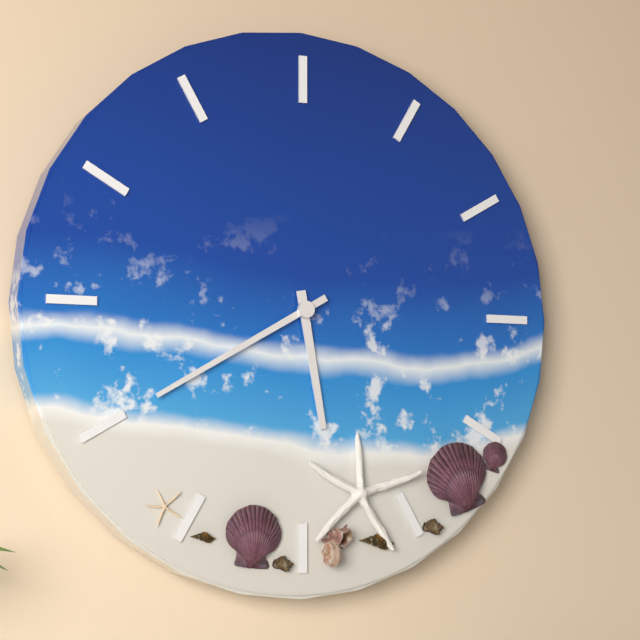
5:40
